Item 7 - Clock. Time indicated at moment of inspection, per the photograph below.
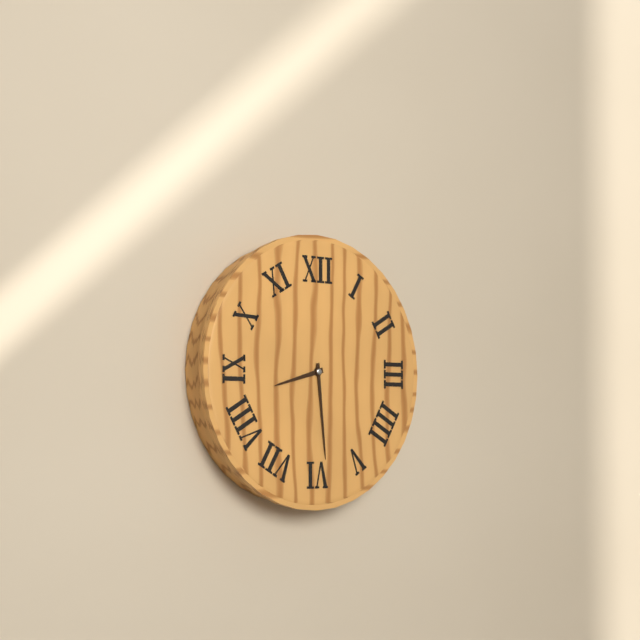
8:29
